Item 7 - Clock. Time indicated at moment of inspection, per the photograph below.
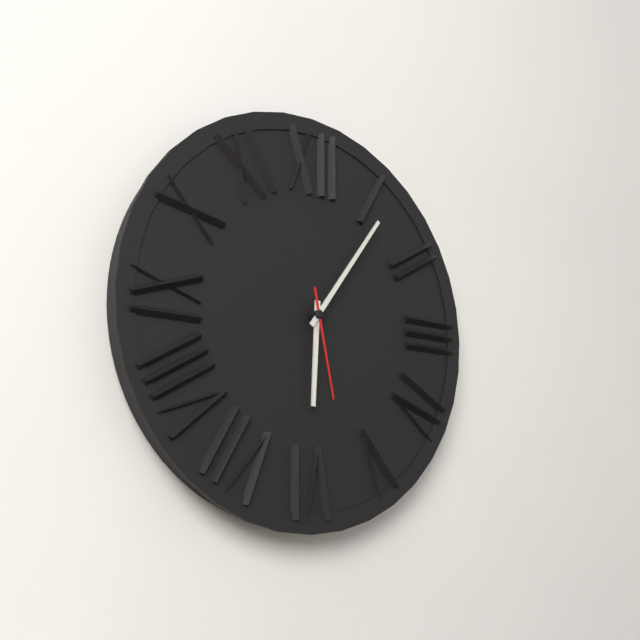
6:06:28
